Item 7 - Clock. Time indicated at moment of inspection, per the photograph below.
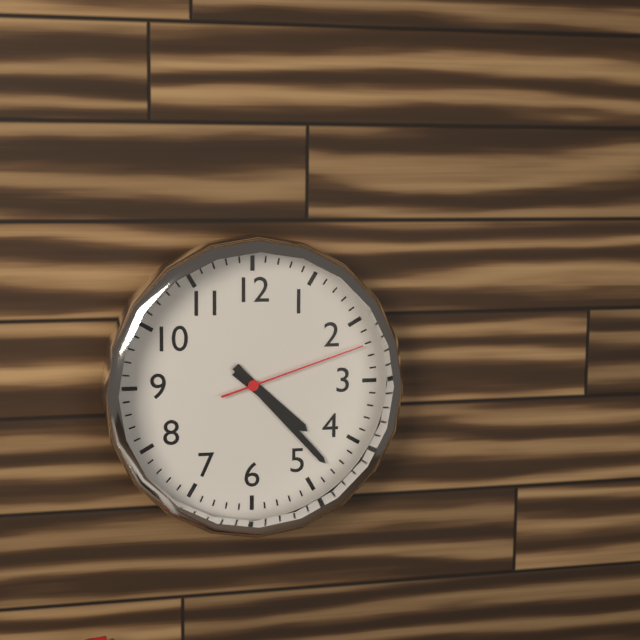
4:23:12
